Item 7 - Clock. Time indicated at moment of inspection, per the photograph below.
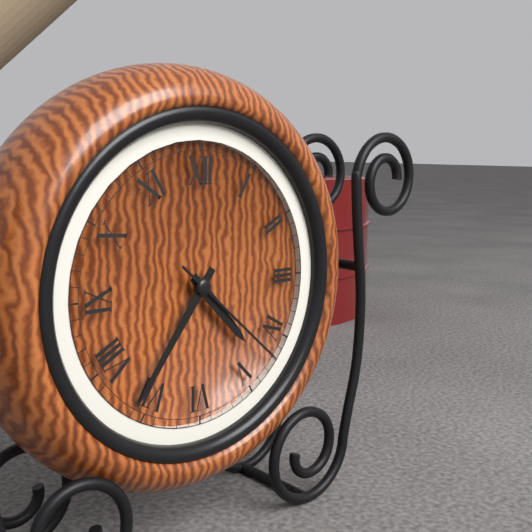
4:36:22
